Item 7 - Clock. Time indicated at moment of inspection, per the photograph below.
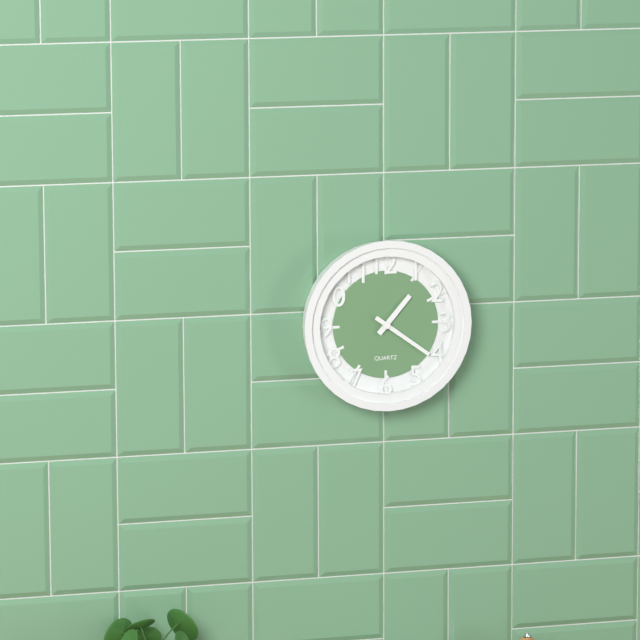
1:21
